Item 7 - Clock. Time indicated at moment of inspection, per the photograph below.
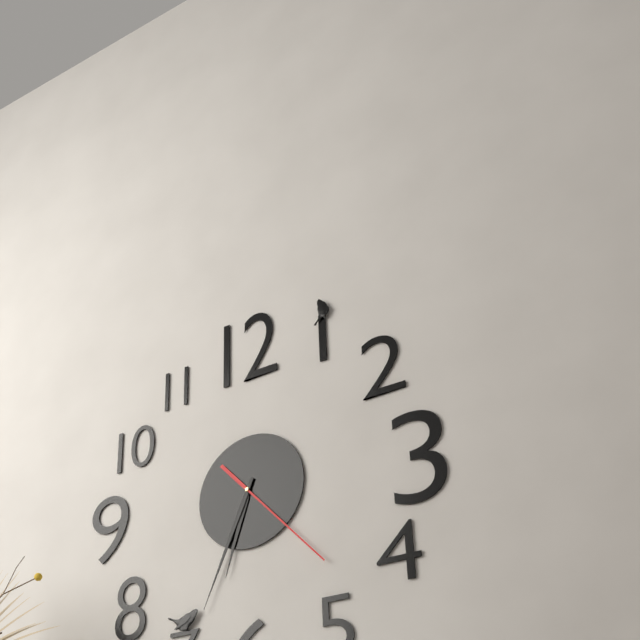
6:34:23
